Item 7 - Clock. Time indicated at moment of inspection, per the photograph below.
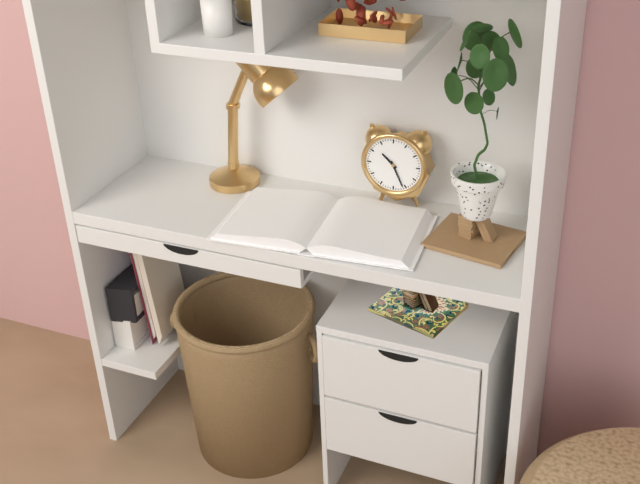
10:26
